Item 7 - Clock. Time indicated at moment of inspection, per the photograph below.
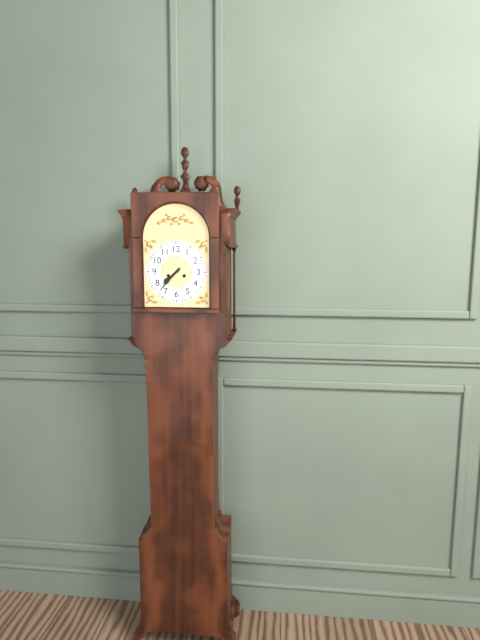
7:37
